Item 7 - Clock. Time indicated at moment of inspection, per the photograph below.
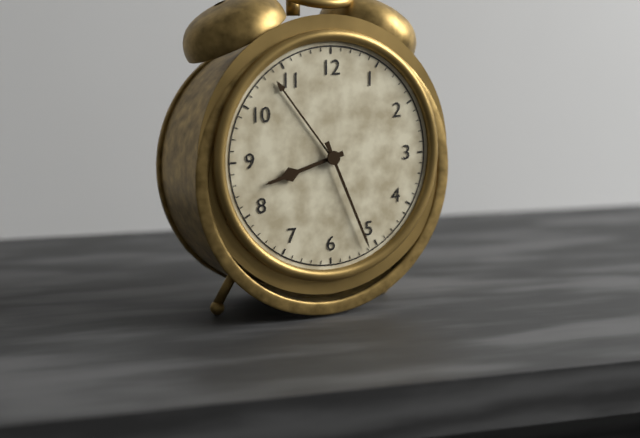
8:26
